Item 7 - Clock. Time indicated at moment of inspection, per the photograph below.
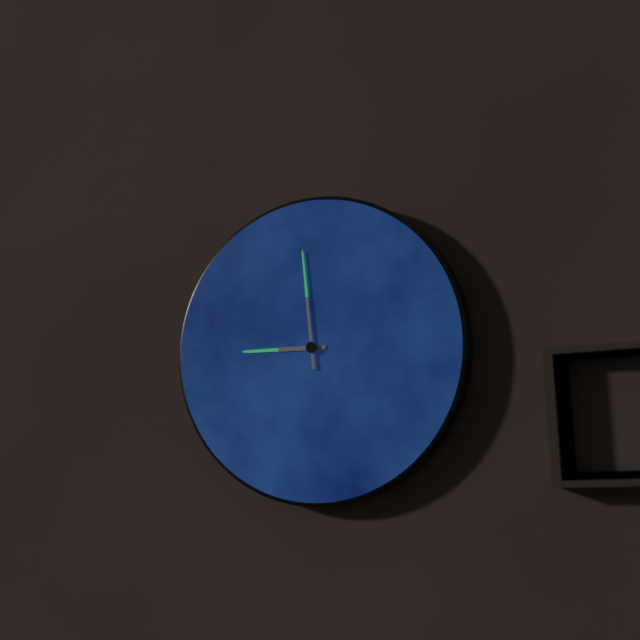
8:59
